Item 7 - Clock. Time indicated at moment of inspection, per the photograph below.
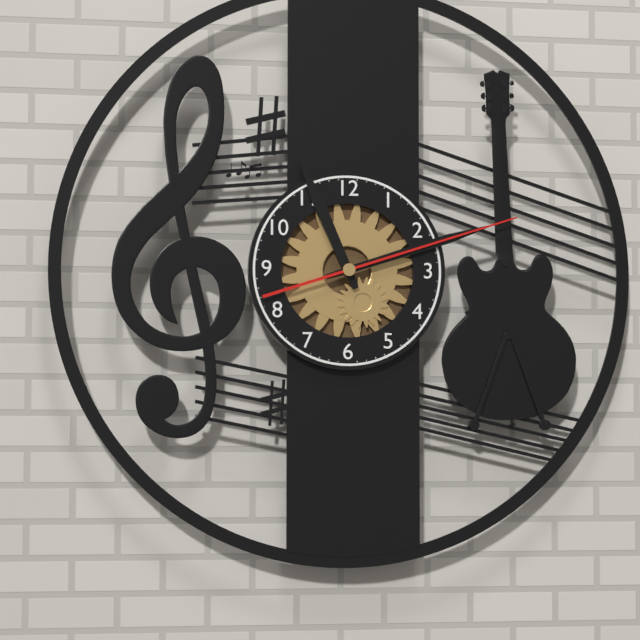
11:12:12
